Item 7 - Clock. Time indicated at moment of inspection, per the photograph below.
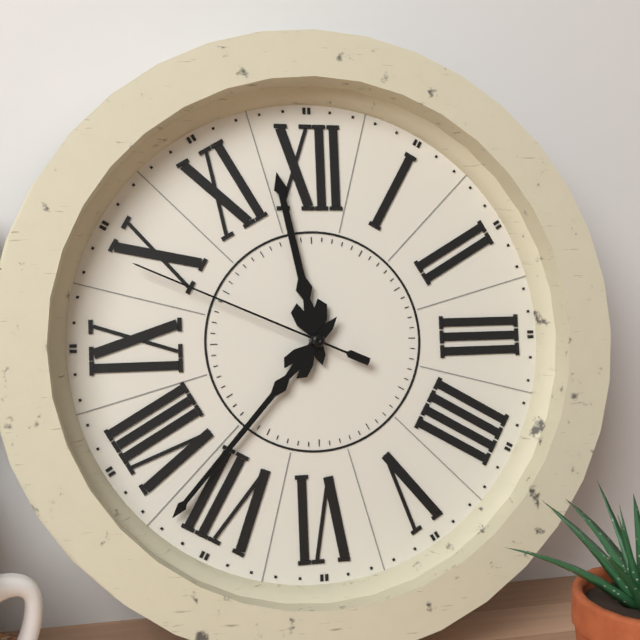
11:37:49
